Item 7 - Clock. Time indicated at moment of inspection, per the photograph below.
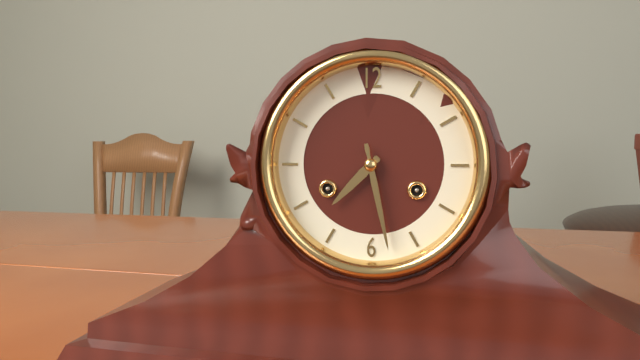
7:28
